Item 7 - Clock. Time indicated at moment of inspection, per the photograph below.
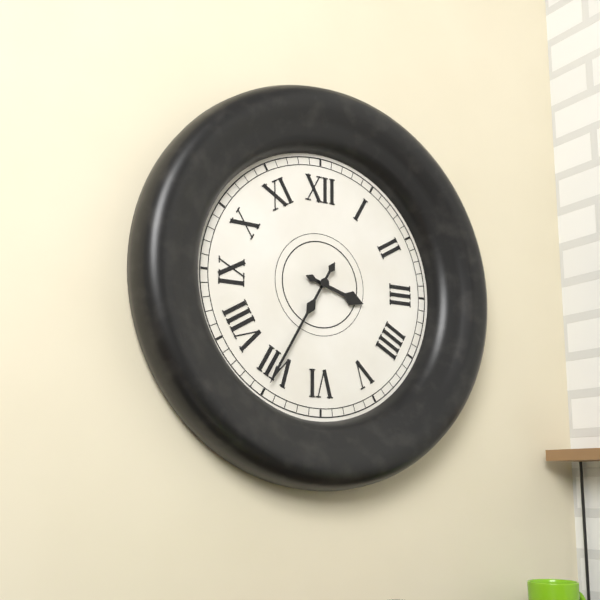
3:35
